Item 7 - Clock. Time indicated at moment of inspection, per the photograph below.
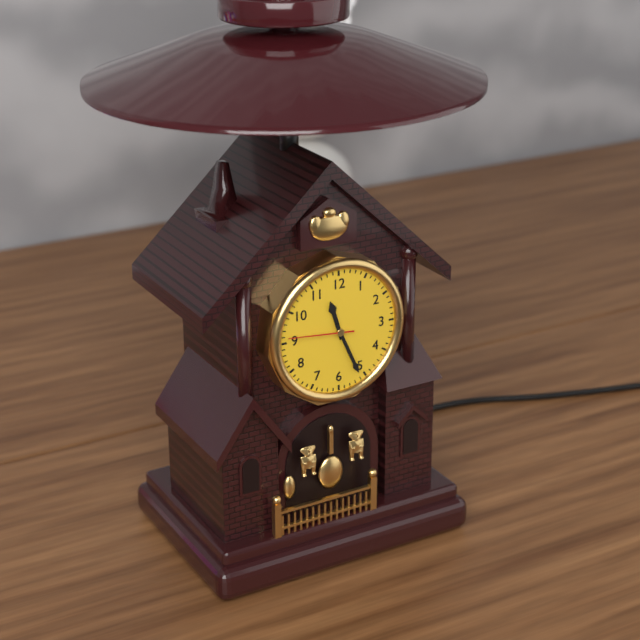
11:26:46
